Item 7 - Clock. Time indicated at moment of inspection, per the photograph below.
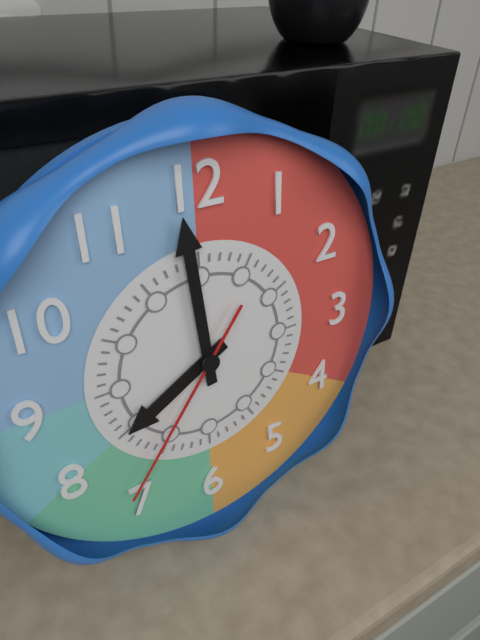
7:59:36
